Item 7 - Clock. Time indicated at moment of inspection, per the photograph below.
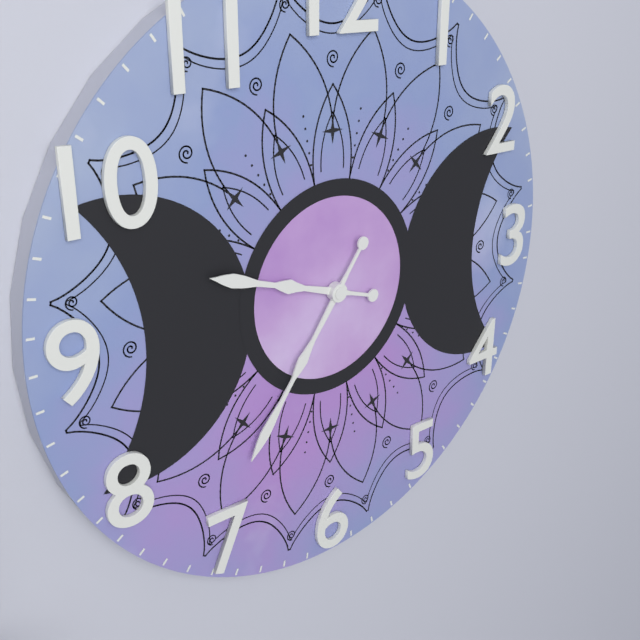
9:36
